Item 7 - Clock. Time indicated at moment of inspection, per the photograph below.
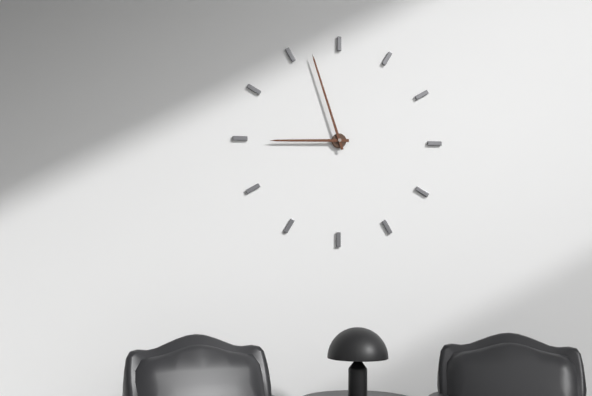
8:57
